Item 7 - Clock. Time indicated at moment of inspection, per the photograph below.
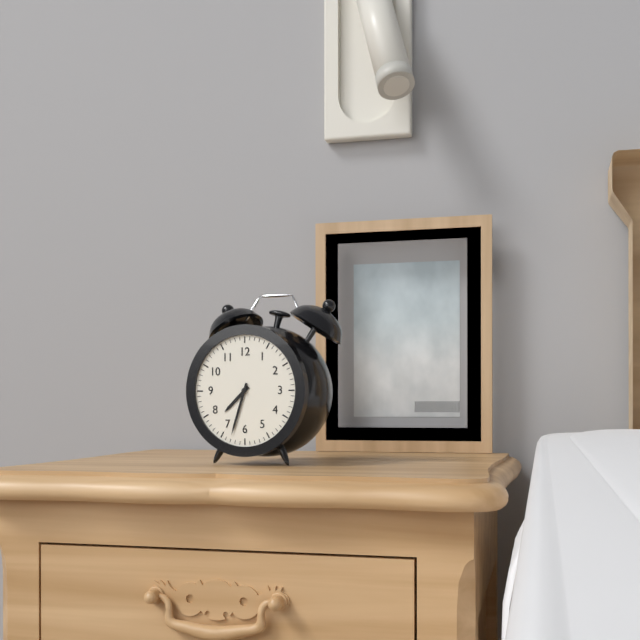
7:33
